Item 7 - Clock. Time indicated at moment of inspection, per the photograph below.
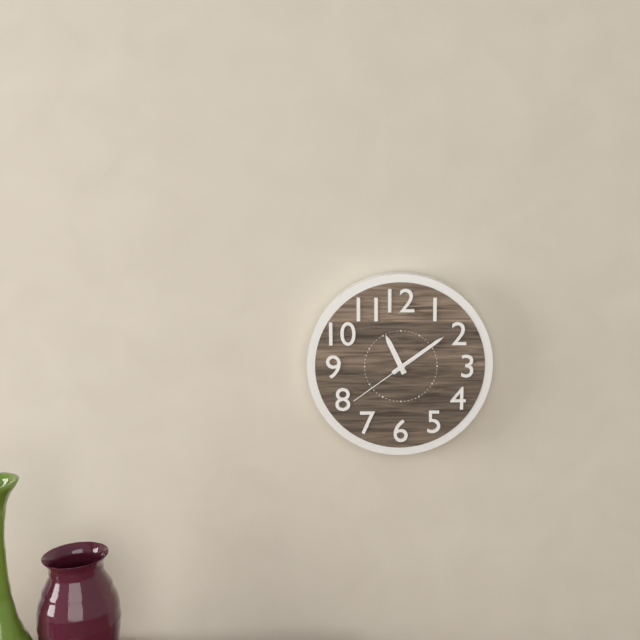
11:09:39
